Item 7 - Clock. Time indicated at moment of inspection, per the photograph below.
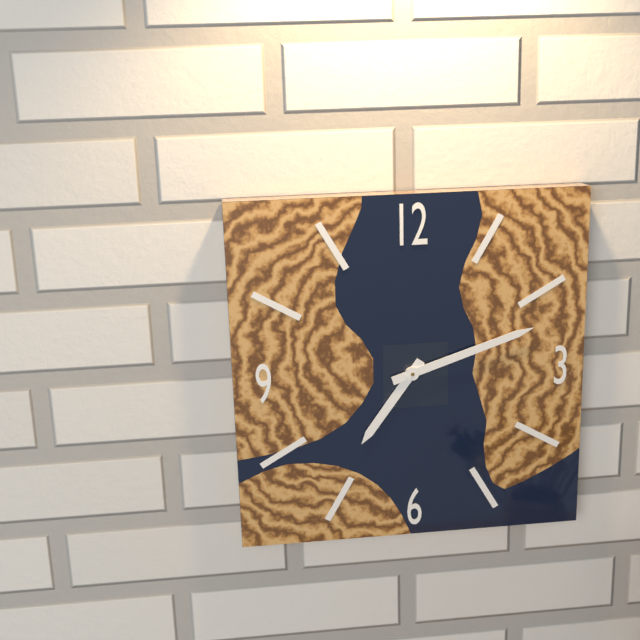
7:12
